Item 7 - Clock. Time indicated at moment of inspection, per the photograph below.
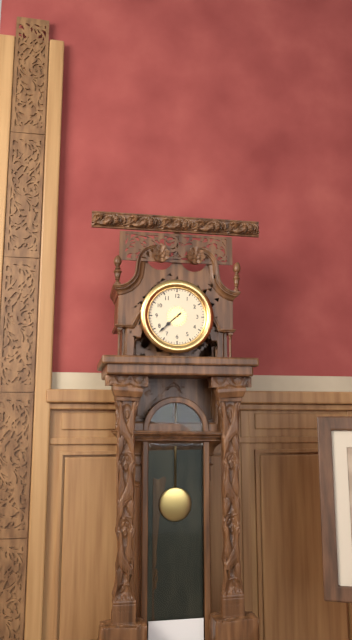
7:38
